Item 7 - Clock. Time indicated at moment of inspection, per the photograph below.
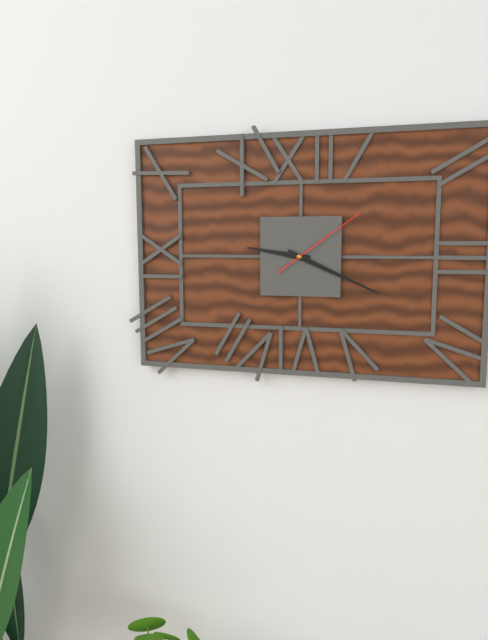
9:19:09
